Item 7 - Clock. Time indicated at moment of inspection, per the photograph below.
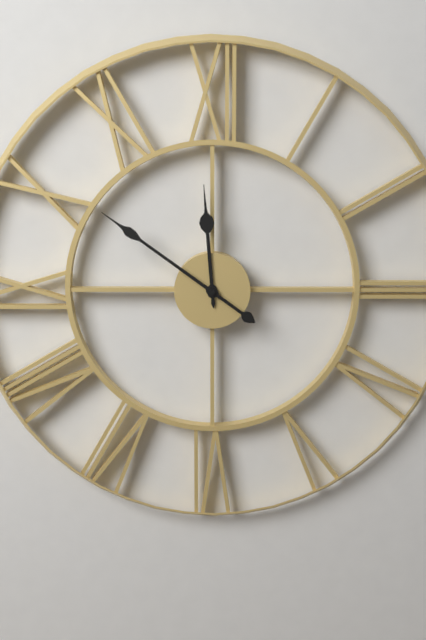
11:51
